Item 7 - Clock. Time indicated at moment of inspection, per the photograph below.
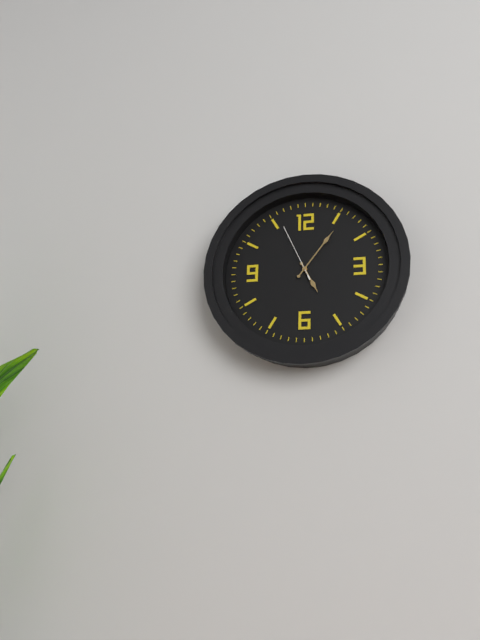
5:06:56
